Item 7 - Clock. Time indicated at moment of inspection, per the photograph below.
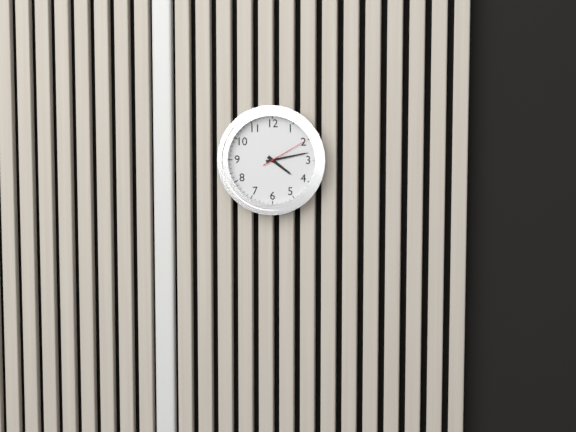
4:13:10
